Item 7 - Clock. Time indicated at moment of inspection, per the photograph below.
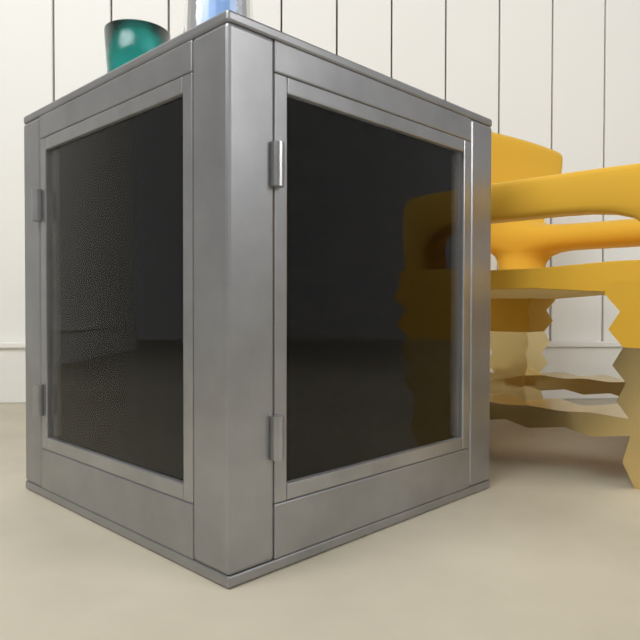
6:47
